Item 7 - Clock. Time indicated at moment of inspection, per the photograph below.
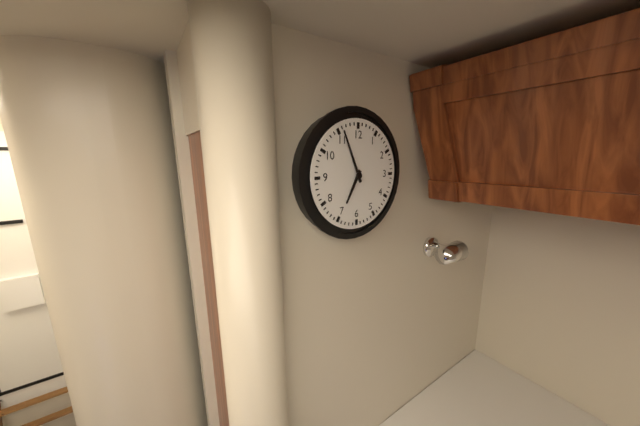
6:56
